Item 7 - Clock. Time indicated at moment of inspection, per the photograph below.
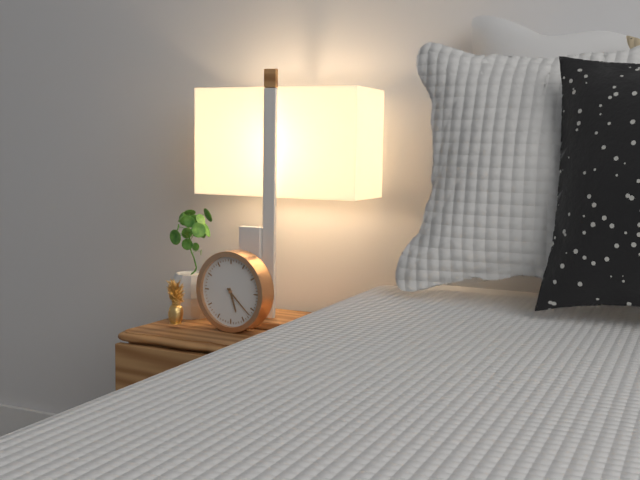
5:22
